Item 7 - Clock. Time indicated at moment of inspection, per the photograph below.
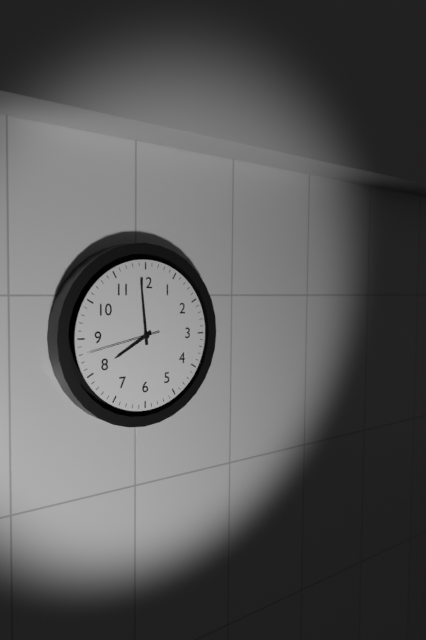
7:59:43
